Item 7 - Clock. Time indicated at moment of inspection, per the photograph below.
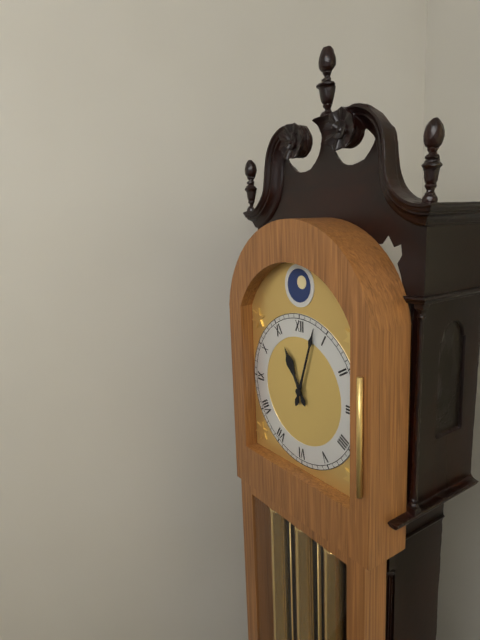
11:03
